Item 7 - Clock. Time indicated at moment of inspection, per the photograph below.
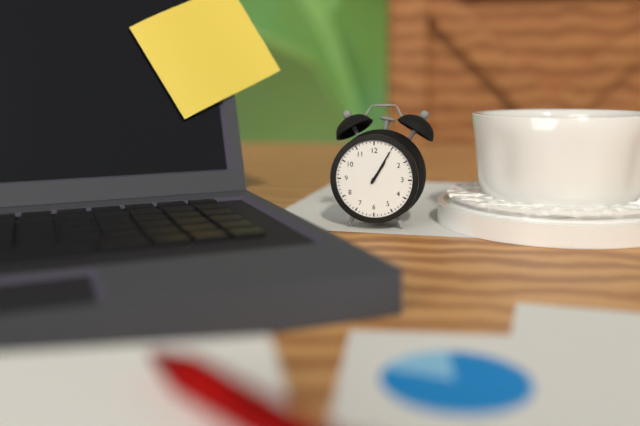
1:05
